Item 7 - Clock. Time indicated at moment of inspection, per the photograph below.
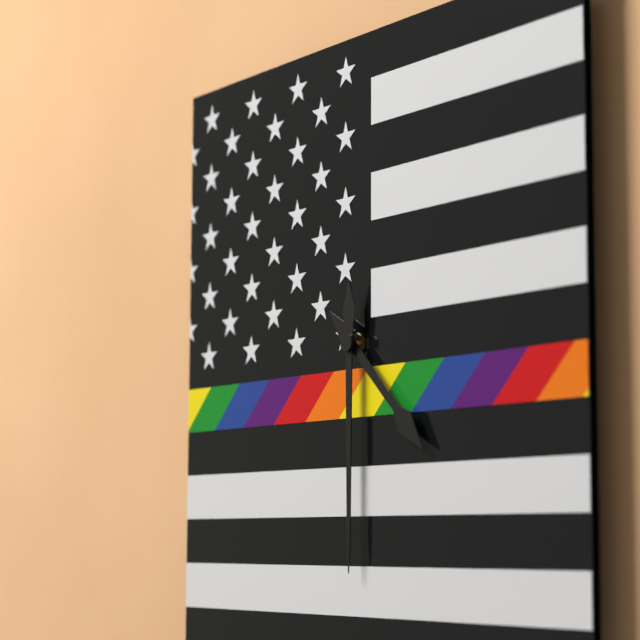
4:30
